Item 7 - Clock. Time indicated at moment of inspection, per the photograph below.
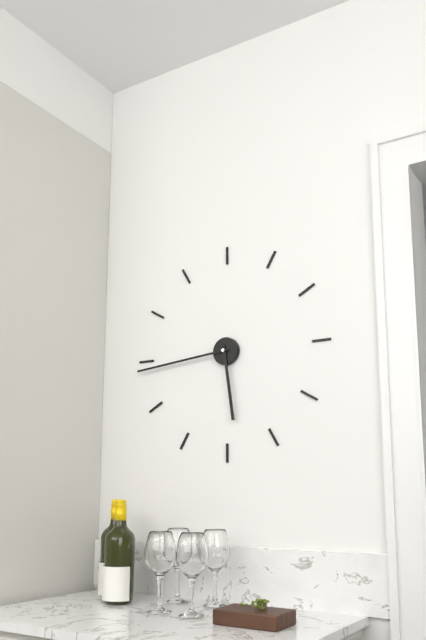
5:44
